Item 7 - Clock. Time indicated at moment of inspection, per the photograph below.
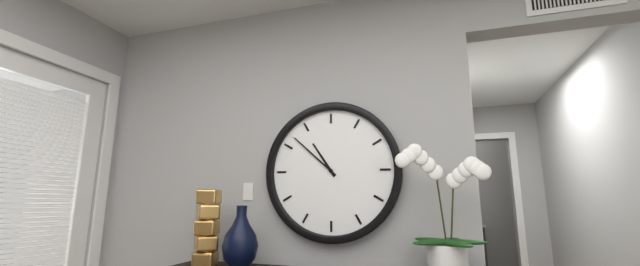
10:52
